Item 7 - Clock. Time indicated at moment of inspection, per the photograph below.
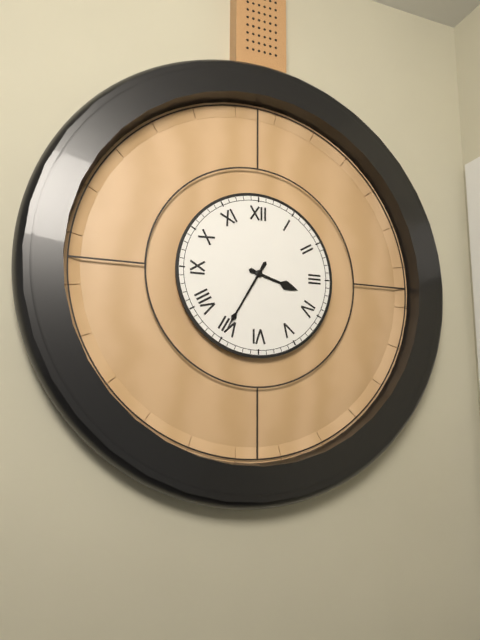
3:35
